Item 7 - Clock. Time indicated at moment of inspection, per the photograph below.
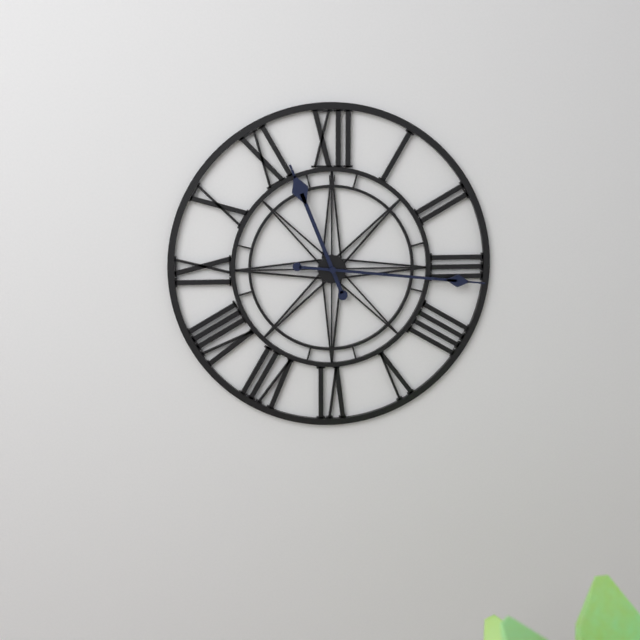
11:16
